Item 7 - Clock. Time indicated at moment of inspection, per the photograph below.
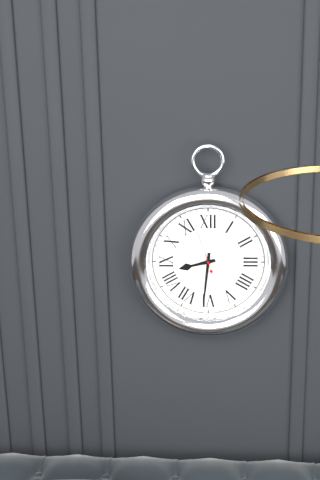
8:31:57
